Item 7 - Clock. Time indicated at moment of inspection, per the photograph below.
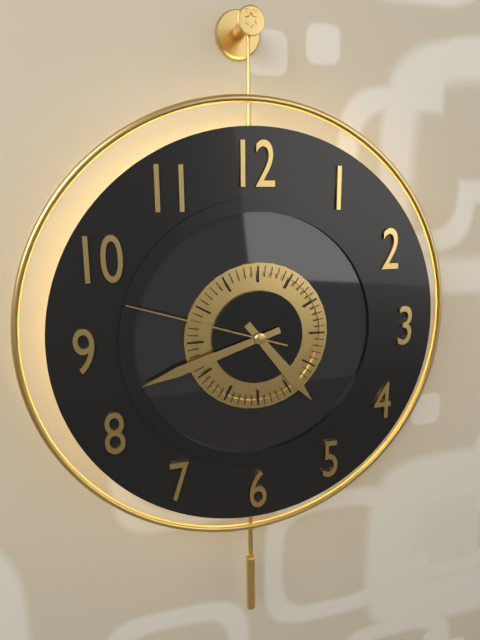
4:42:48
